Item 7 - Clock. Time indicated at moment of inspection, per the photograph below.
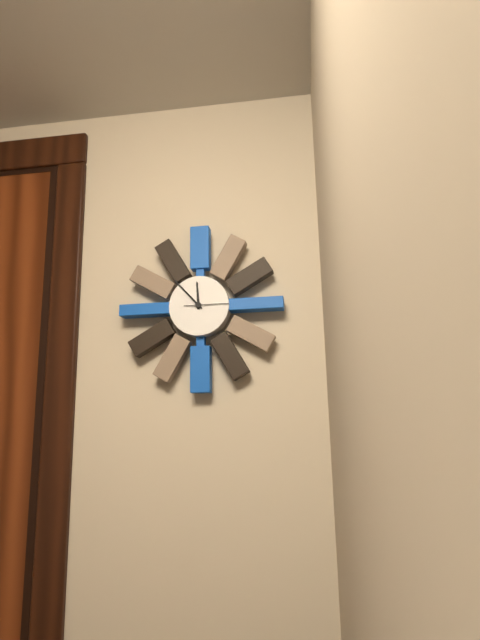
11:53
